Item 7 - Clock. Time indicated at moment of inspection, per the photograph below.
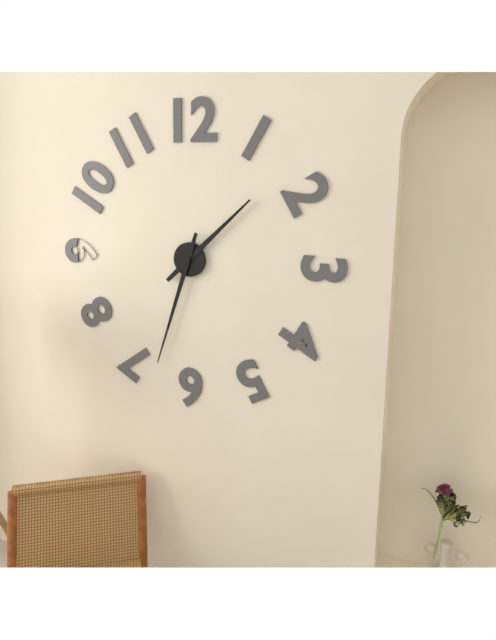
1:33
